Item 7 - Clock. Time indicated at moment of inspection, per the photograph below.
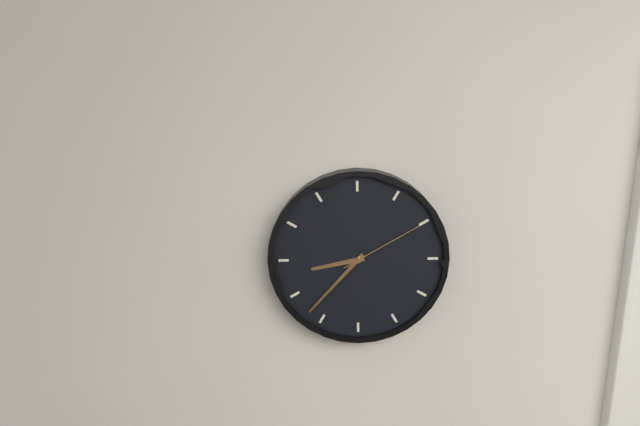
8:37:10
